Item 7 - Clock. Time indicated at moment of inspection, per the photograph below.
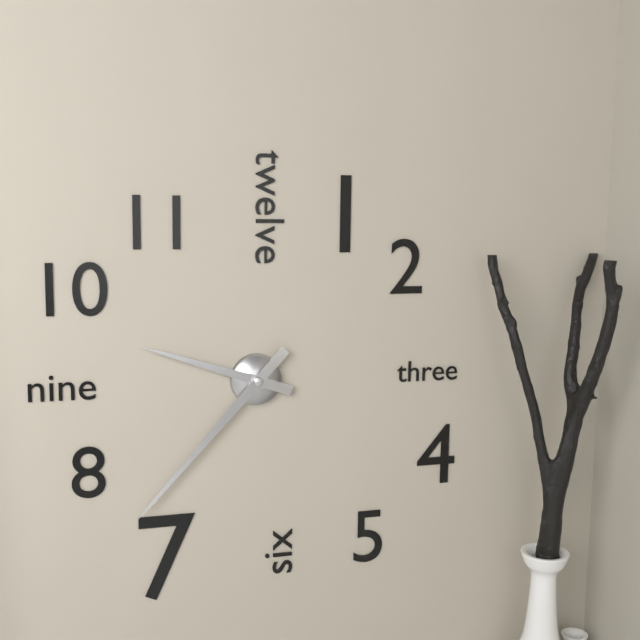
9:37
